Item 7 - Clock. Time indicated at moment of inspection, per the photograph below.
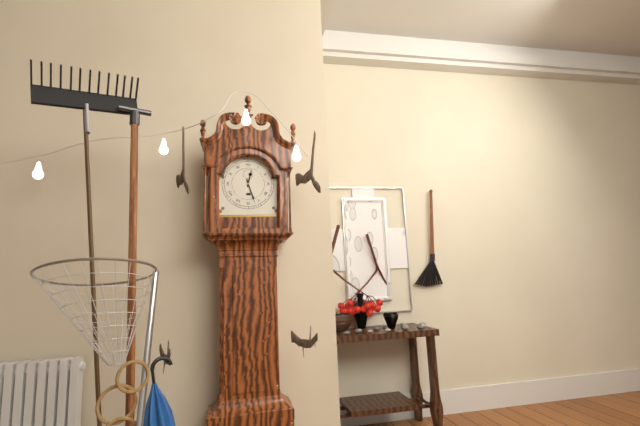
12:27
